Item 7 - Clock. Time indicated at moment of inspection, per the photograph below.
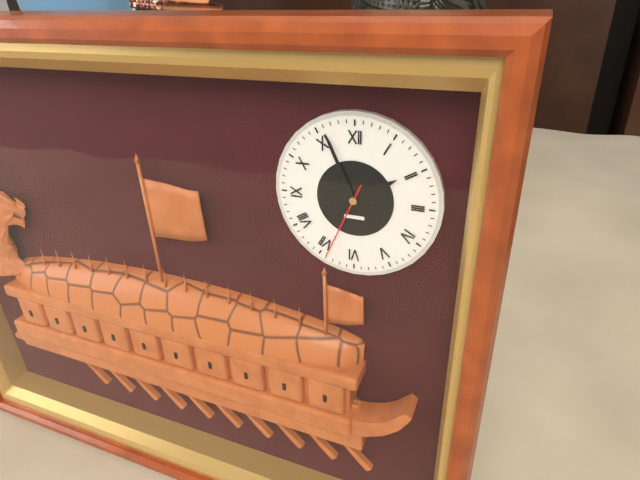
1:56:34
